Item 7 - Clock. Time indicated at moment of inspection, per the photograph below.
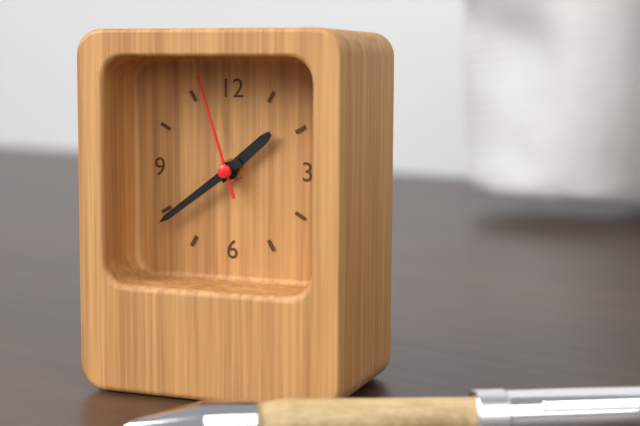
1:39:57
